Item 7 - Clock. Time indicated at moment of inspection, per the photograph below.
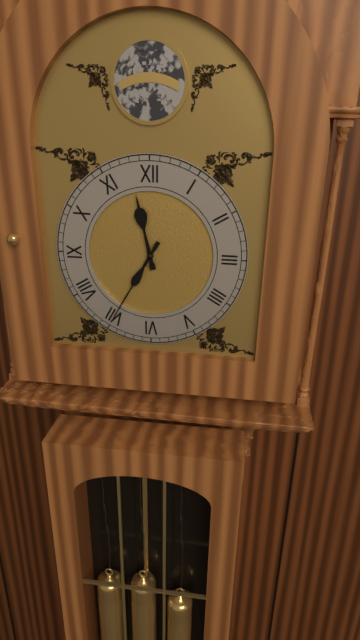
11:35
